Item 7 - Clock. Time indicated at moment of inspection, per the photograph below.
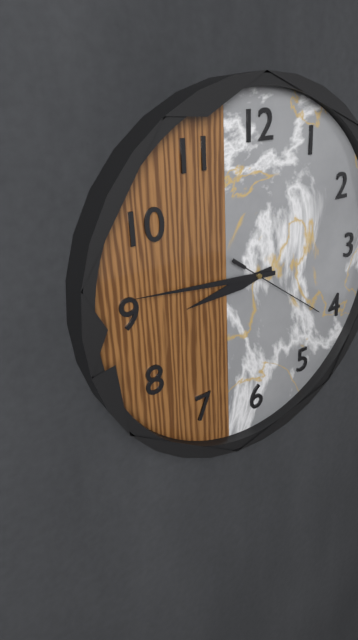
8:46:21
